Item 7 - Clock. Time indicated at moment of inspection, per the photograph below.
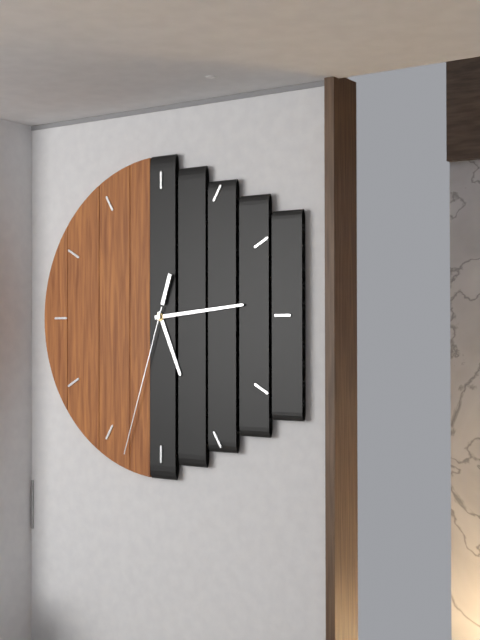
5:14:33
